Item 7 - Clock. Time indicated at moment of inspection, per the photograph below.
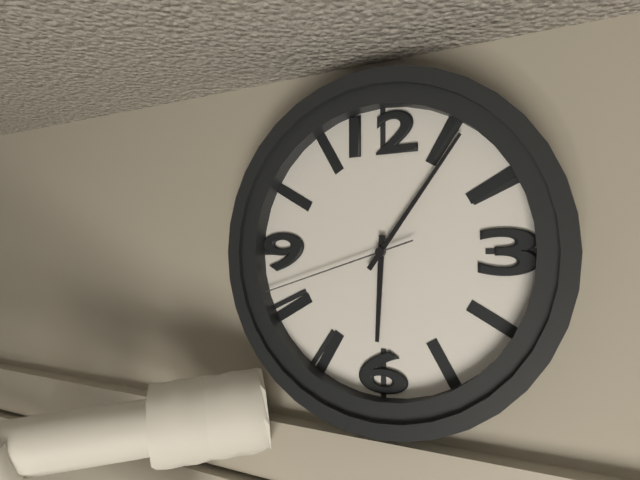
6:06:42
